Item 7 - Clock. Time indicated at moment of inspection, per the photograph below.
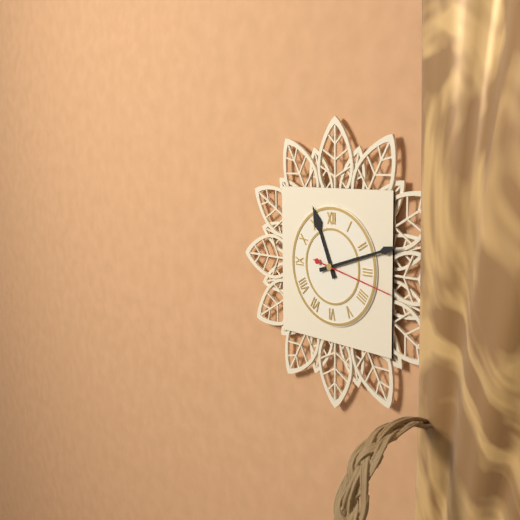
11:12:17
